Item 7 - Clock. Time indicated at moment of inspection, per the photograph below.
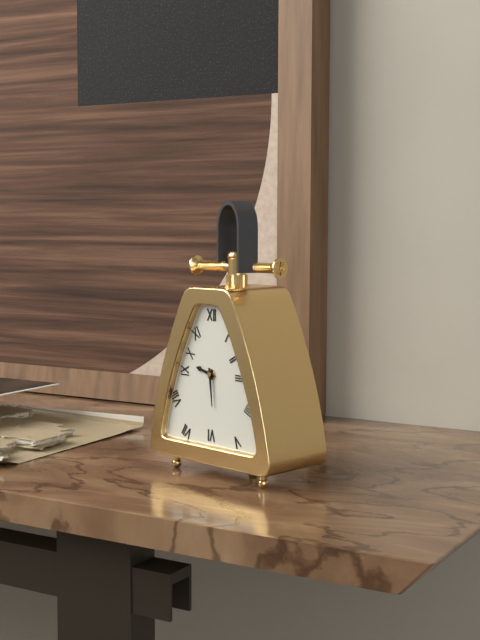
9:29
